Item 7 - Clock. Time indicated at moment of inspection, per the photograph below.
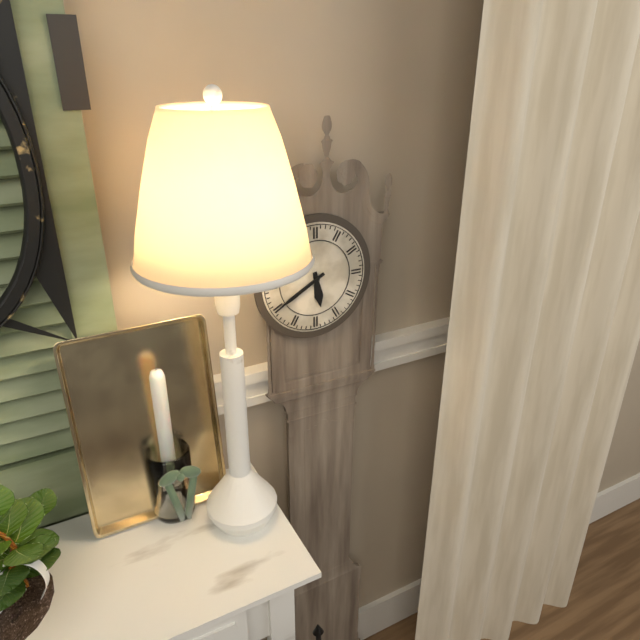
5:40
